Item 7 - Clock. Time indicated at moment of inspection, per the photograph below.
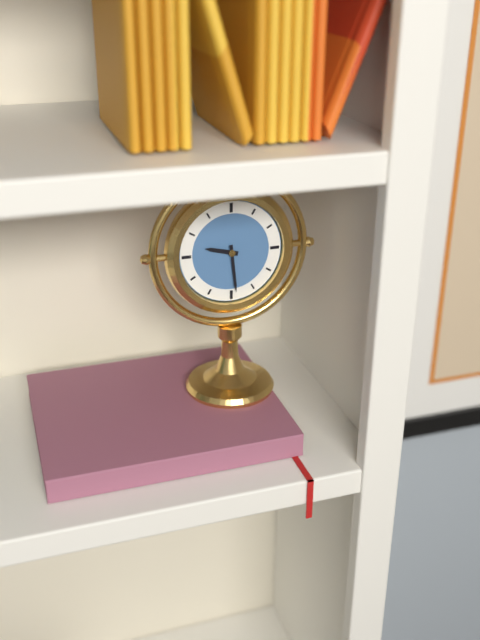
9:29
